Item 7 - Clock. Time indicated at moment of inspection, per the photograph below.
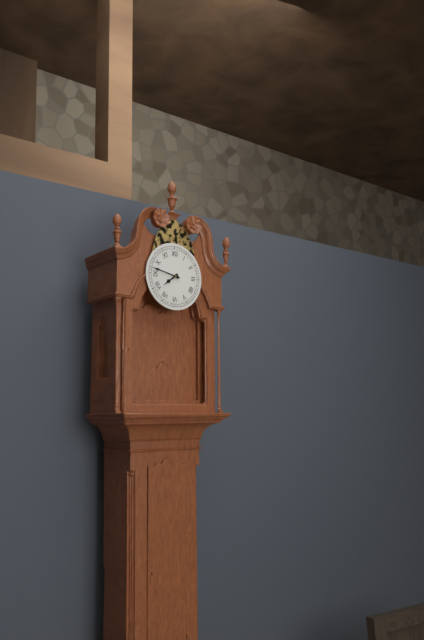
7:47
